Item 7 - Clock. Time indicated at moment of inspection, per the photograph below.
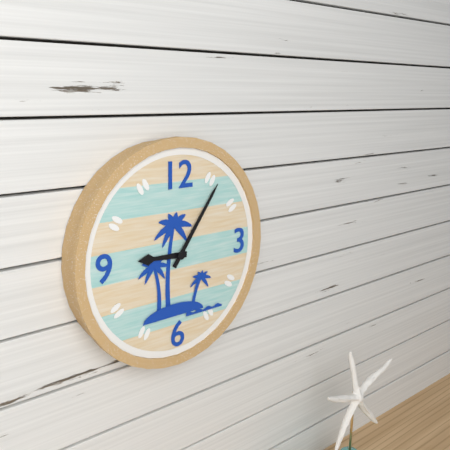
9:06
